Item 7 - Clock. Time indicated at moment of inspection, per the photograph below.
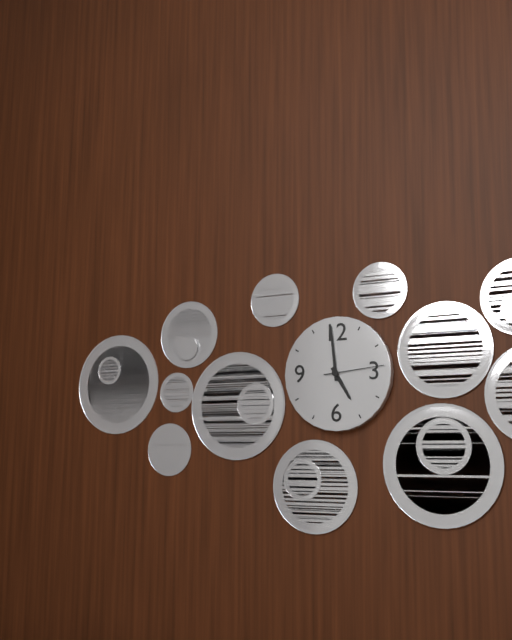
4:59:14
